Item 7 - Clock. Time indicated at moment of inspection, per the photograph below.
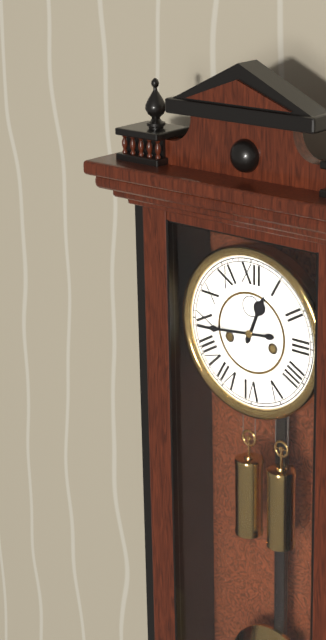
12:44
